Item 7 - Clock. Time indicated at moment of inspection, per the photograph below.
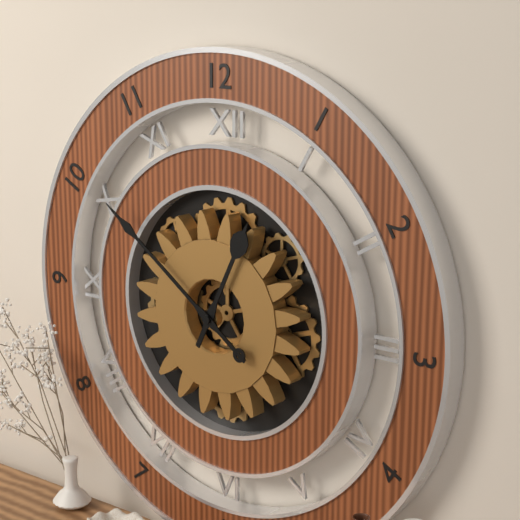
12:51
